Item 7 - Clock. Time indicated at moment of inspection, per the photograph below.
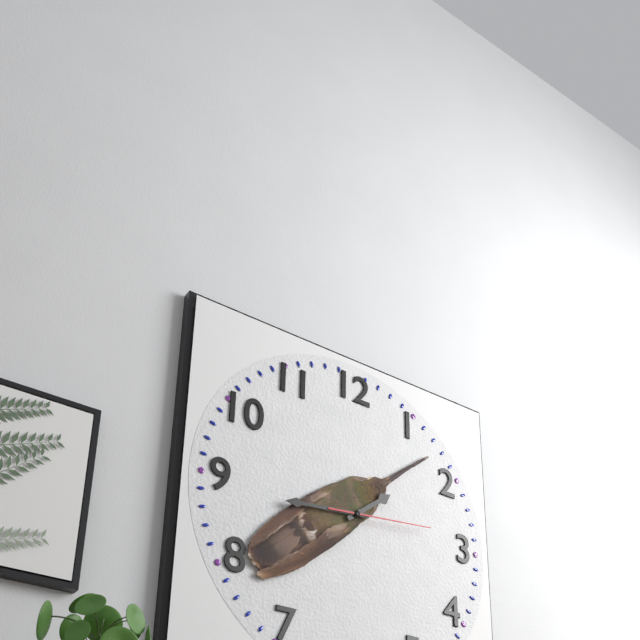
1:44:14
